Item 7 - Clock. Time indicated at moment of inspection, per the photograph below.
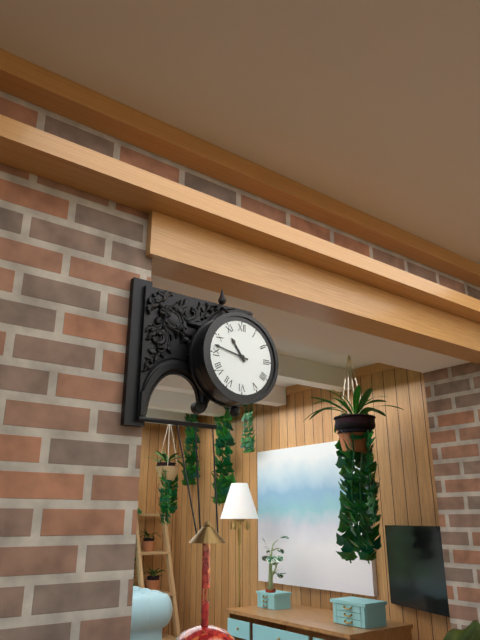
10:47
